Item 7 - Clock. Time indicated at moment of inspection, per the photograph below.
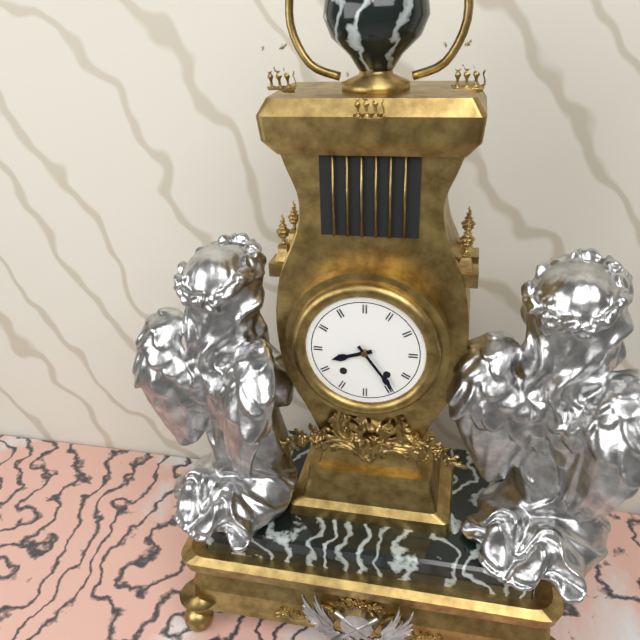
8:24
